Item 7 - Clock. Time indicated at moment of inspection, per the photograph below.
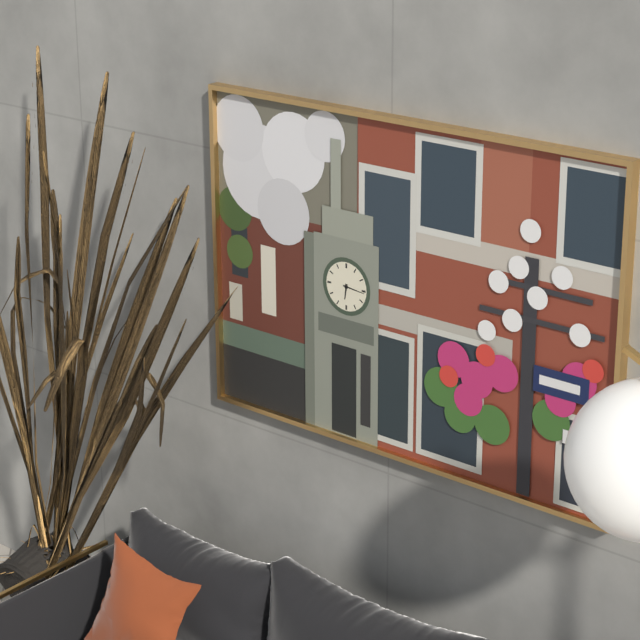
6:16
